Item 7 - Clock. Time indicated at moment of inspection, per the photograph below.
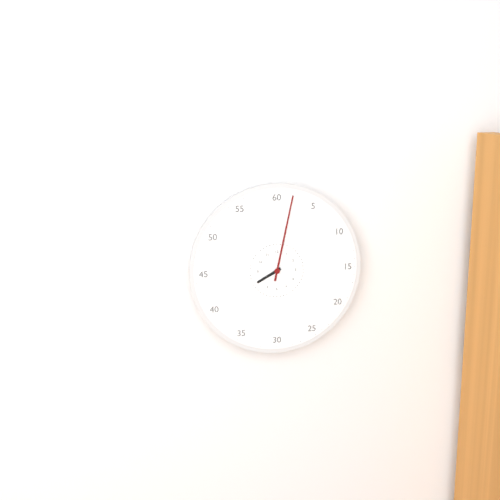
8:02
